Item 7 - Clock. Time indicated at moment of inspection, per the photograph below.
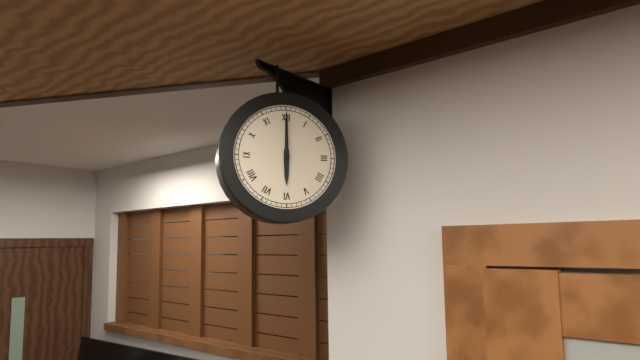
6:00
